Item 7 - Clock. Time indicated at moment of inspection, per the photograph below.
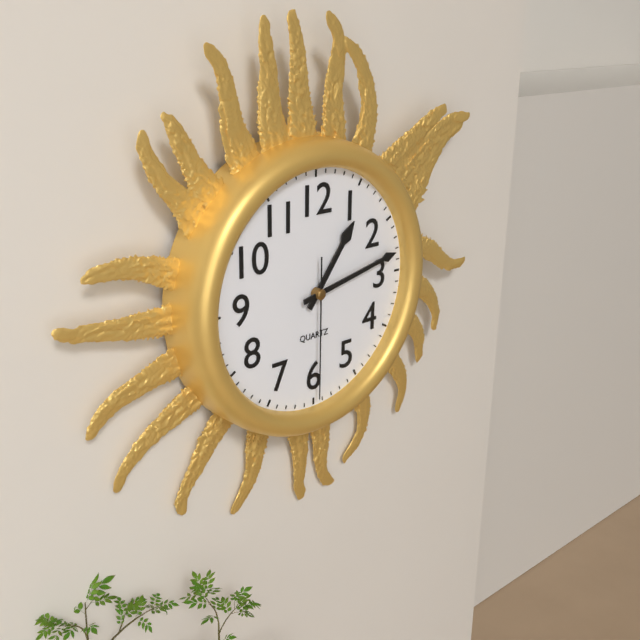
1:13:30
